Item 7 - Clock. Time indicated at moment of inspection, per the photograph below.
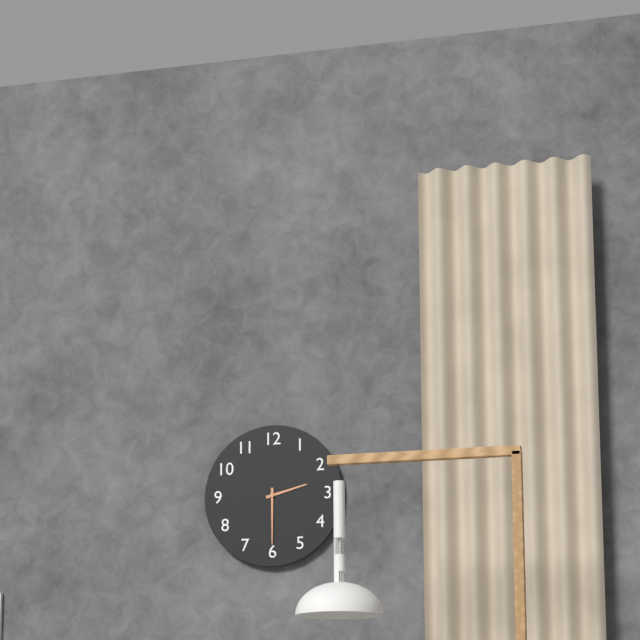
2:30
